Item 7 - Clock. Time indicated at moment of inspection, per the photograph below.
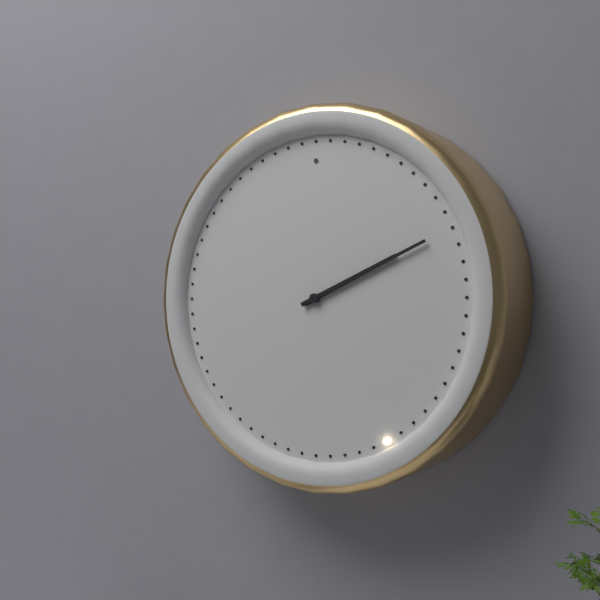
2:11
